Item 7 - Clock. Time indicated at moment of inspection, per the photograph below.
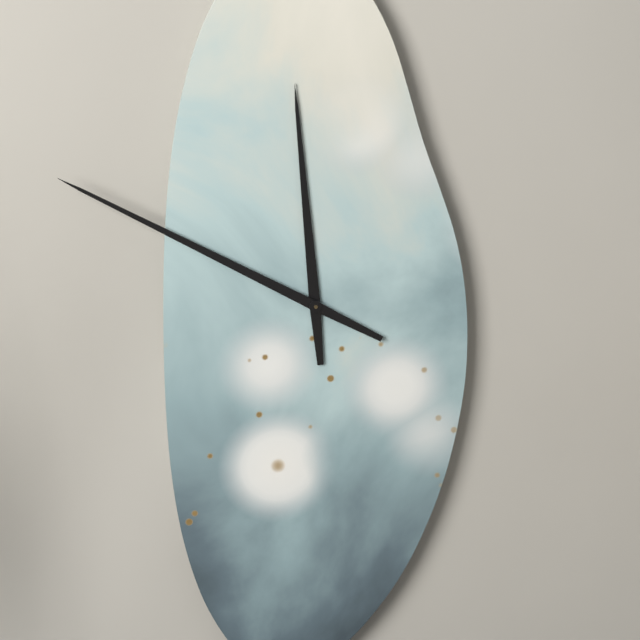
11:50
